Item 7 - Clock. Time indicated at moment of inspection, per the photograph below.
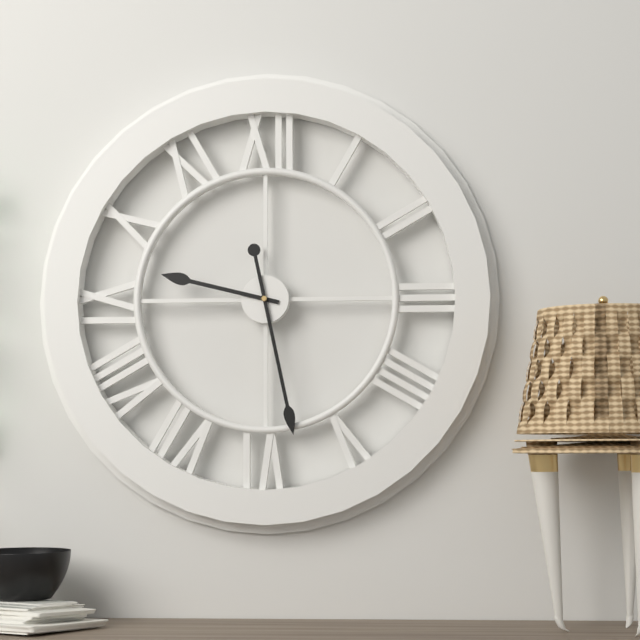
9:28
